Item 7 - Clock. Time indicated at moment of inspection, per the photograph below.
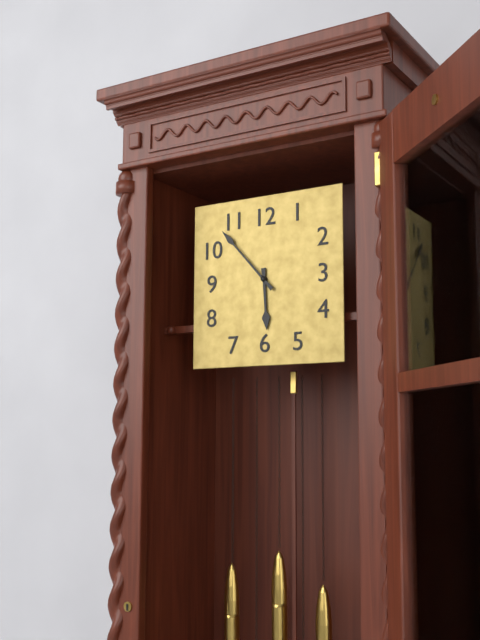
5:53
